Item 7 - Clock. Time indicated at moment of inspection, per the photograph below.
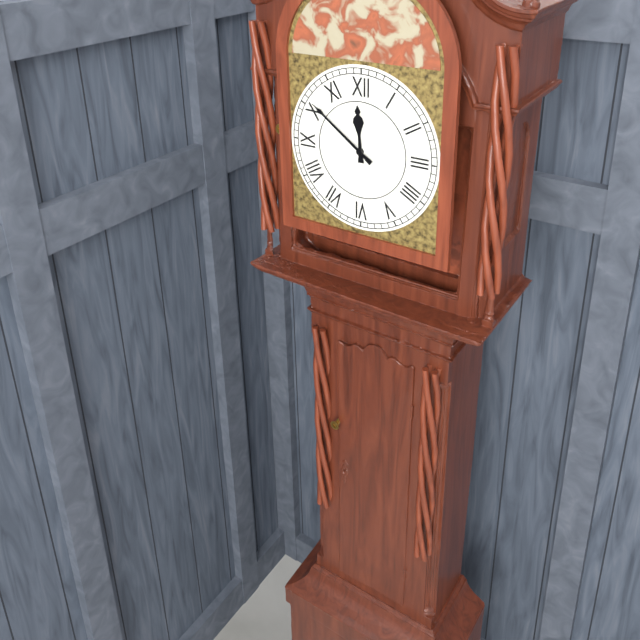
11:51
